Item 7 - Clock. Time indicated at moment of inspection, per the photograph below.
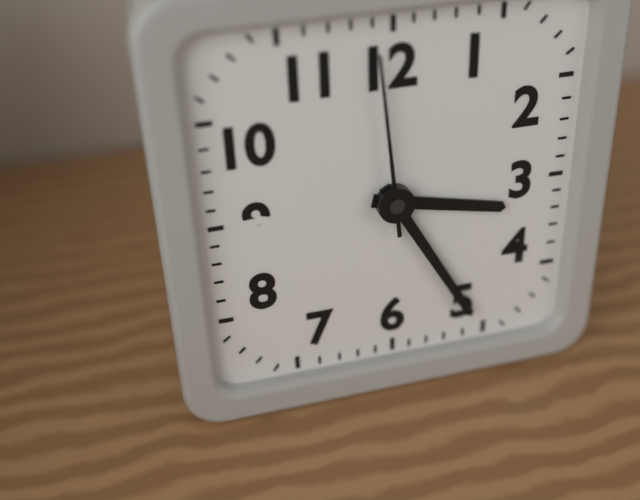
3:25:59
